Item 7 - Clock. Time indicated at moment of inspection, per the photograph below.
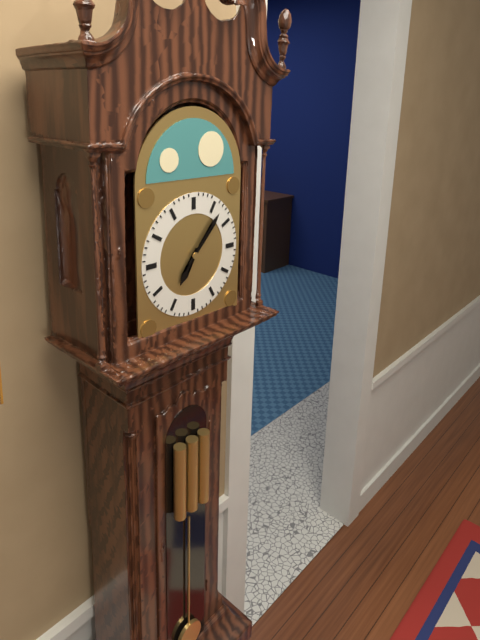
7:07
